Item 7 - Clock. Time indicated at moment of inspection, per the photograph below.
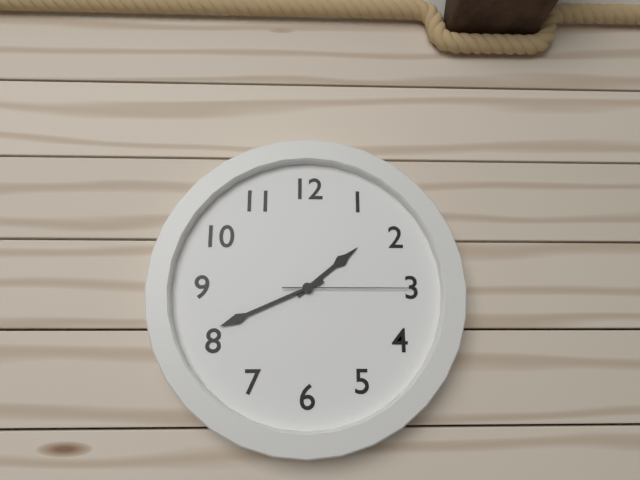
1:41:15
